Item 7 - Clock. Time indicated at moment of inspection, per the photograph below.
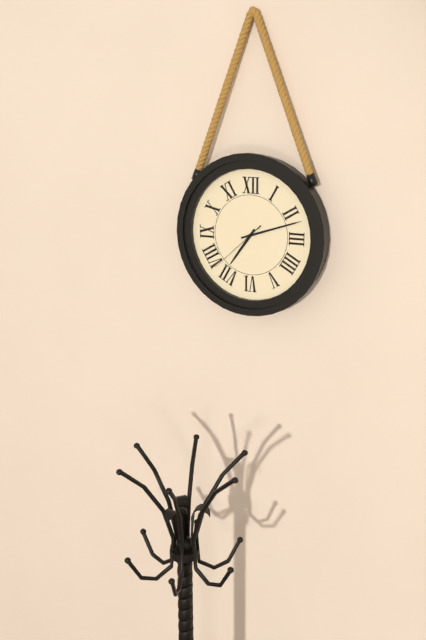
7:12:38
